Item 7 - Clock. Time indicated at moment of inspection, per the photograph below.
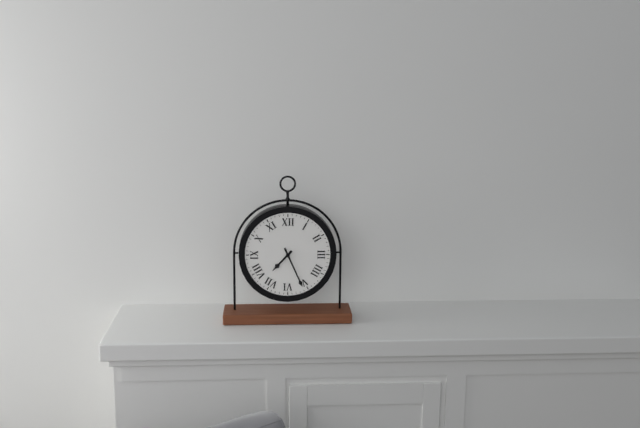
7:26
